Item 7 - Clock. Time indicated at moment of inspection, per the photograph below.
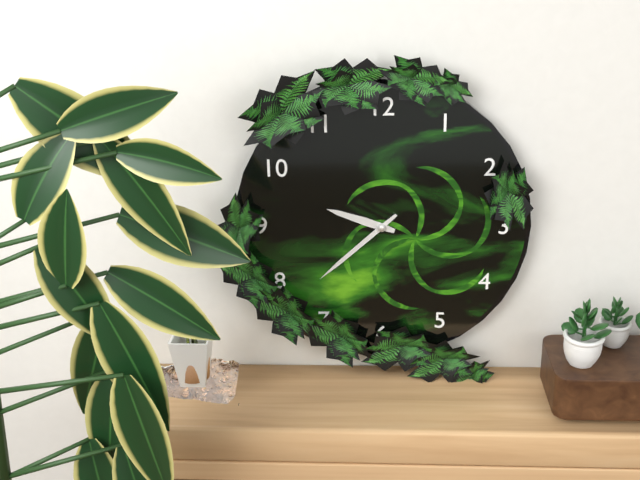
9:38
